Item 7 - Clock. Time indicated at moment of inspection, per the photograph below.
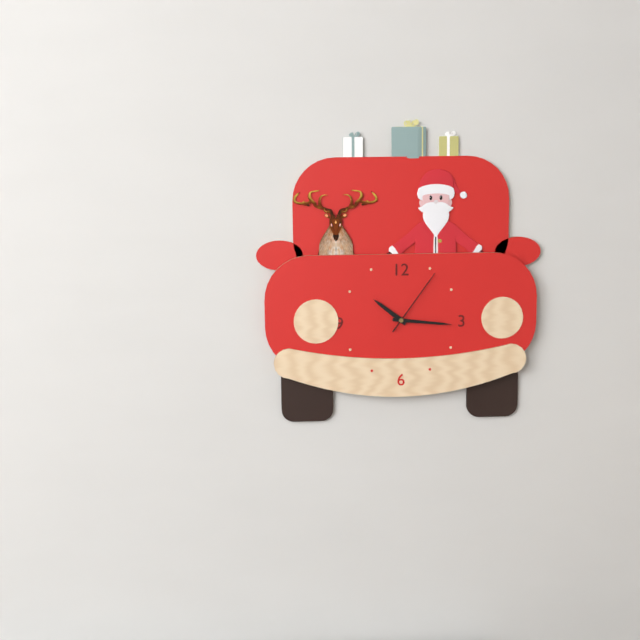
10:16:06
